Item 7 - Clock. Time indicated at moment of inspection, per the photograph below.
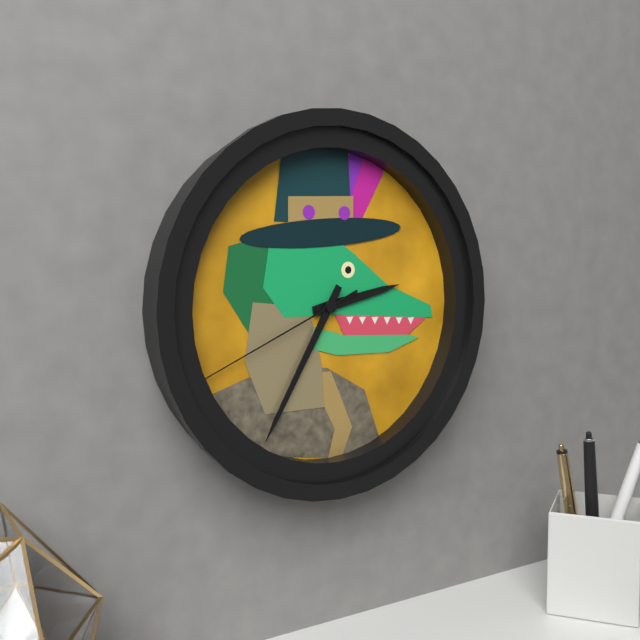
2:35:41
